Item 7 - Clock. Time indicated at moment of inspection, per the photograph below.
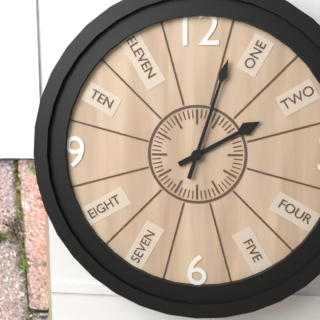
2:03
